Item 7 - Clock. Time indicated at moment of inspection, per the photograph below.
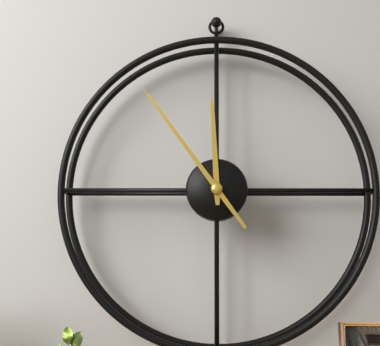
11:54
